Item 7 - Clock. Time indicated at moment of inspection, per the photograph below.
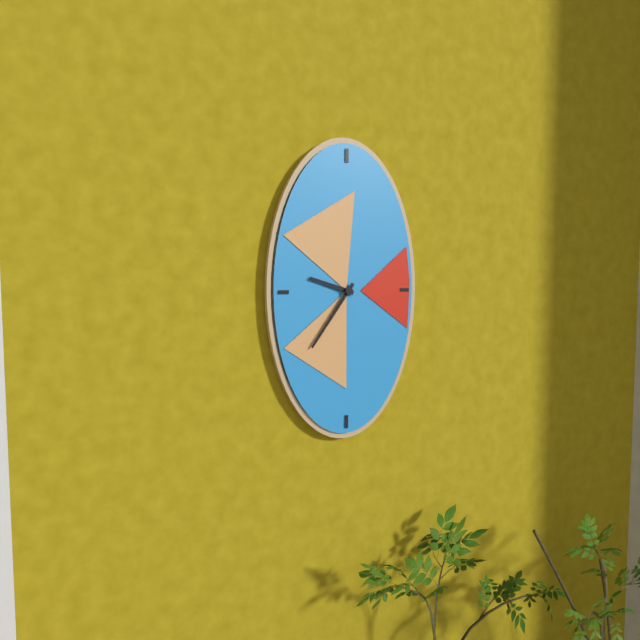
9:36
